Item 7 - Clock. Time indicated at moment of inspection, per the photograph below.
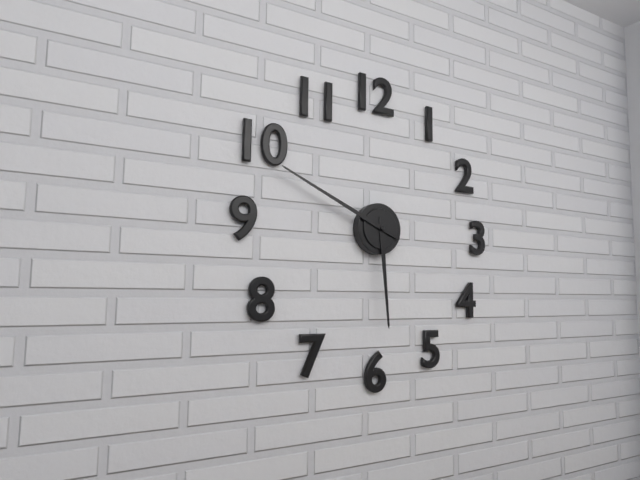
5:49
